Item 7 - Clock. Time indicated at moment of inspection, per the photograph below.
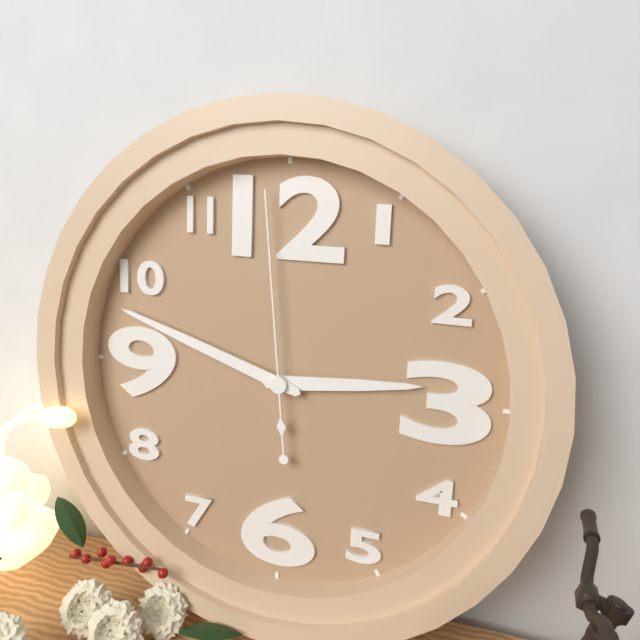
2:48:59
